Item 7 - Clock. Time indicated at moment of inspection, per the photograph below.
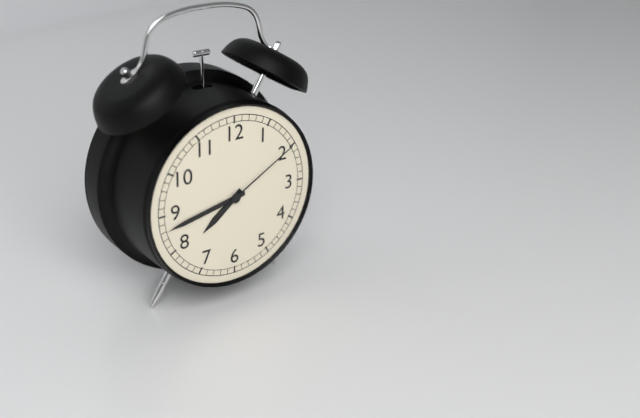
7:43:10
